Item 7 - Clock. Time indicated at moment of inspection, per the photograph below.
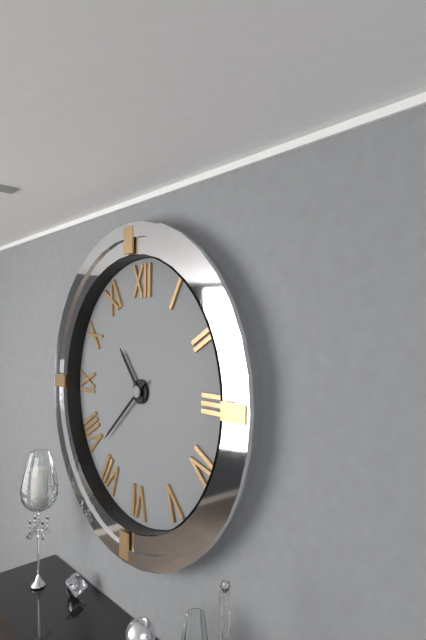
10:38
